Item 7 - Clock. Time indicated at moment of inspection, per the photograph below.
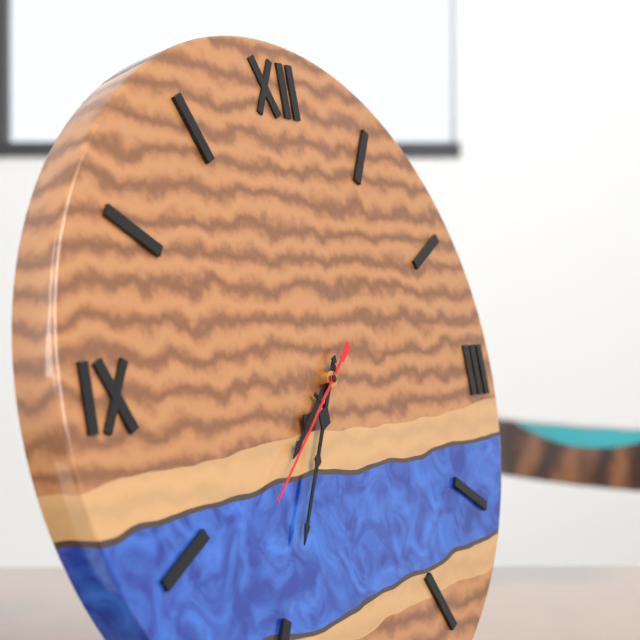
7:35:38
